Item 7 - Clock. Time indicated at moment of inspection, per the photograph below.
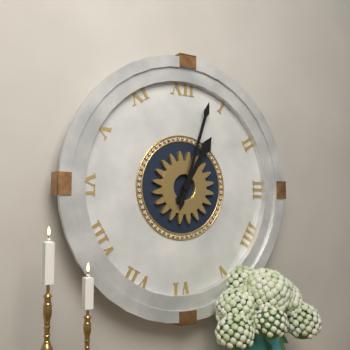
1:03
